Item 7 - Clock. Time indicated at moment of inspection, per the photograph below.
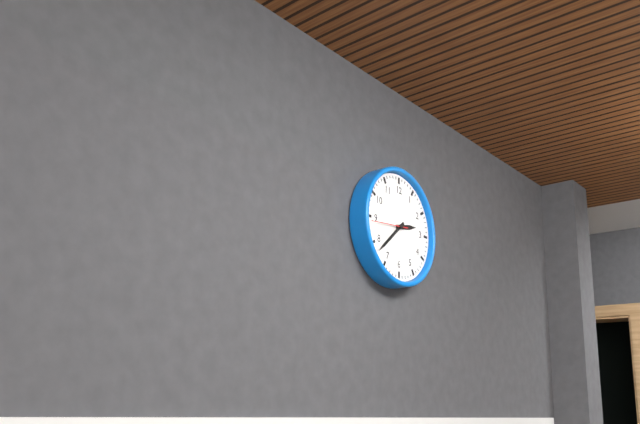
2:38
